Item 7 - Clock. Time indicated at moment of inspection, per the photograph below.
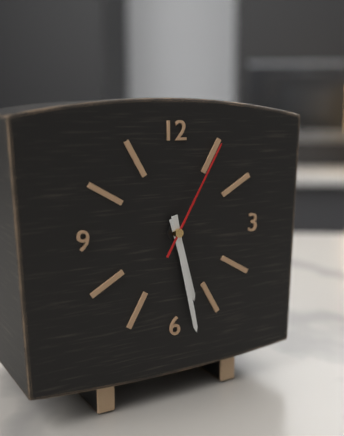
5:28:05
